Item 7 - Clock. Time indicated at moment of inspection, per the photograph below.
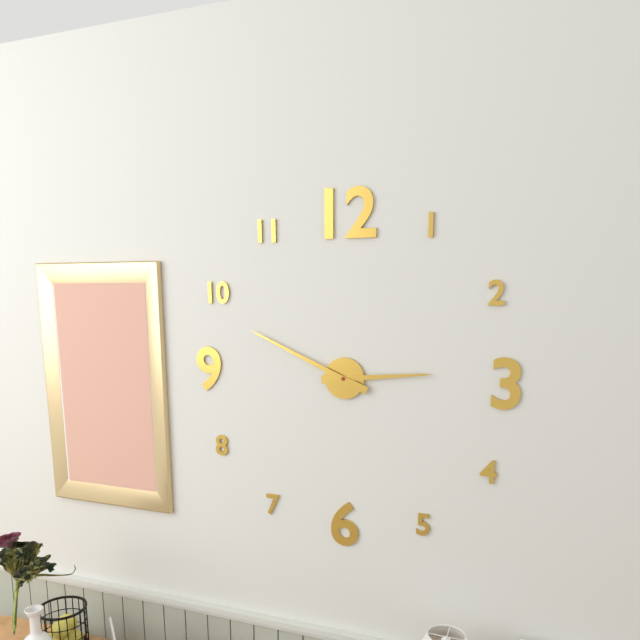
2:49
